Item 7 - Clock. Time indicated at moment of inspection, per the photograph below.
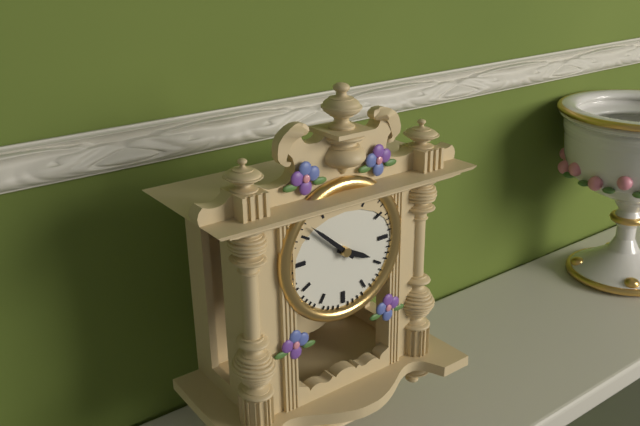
3:52
